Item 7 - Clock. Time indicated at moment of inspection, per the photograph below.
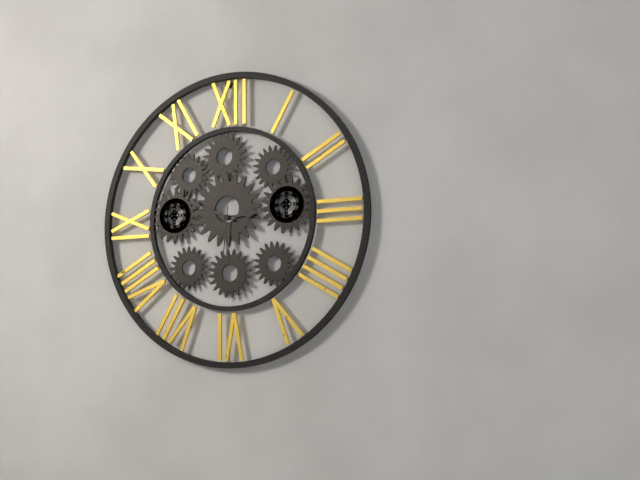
2:49:31
